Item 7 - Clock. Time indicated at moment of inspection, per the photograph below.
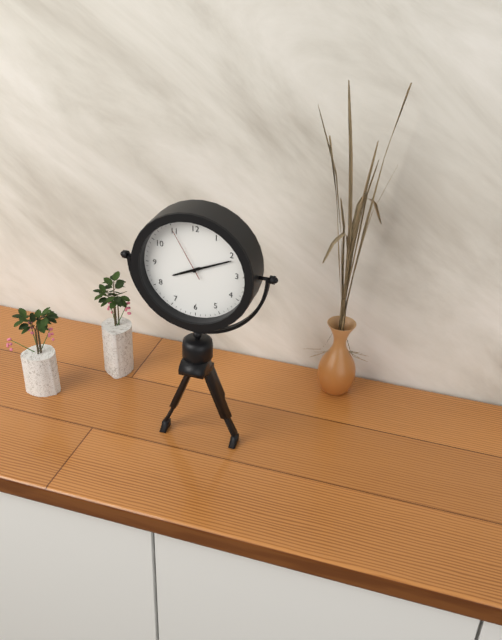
8:11:55
